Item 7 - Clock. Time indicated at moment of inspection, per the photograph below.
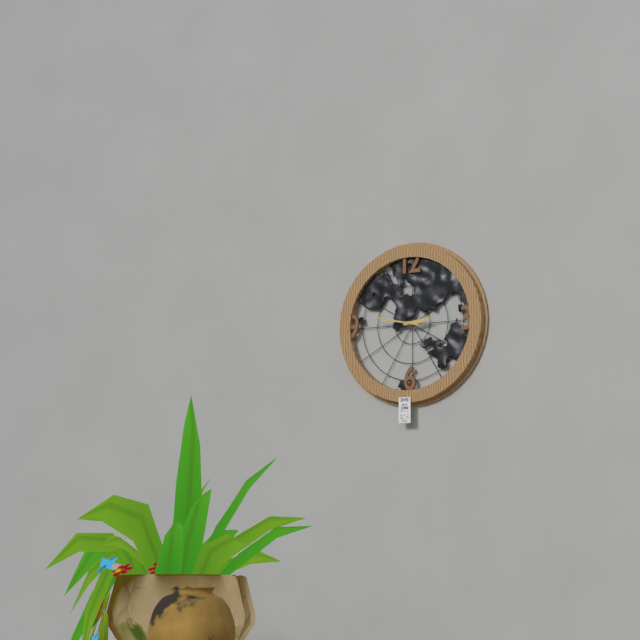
2:47
